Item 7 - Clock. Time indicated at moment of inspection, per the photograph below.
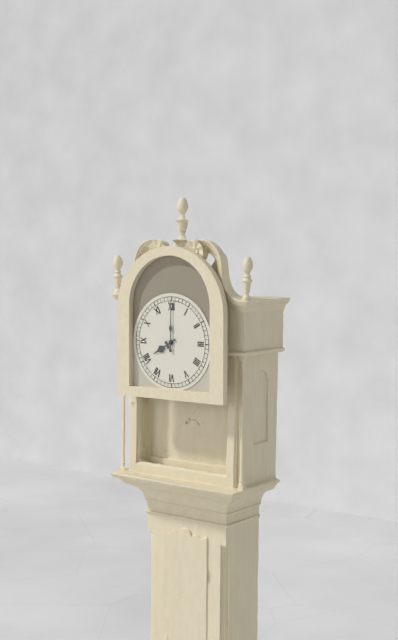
8:00
